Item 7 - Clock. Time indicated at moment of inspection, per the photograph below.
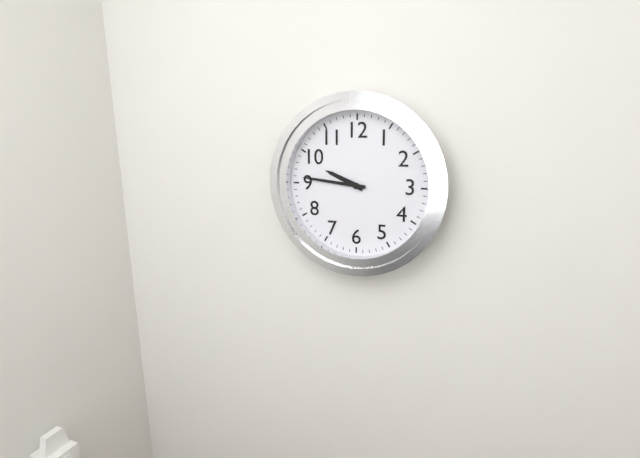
9:46
